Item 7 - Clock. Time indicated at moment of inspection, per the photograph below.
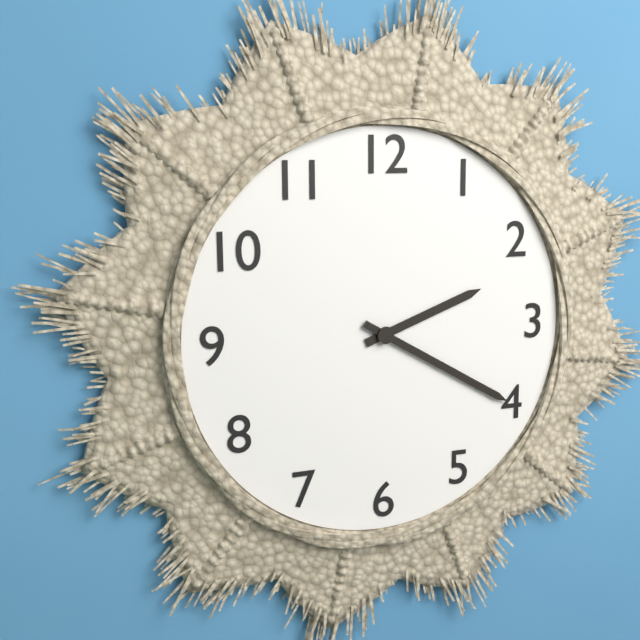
2:20
